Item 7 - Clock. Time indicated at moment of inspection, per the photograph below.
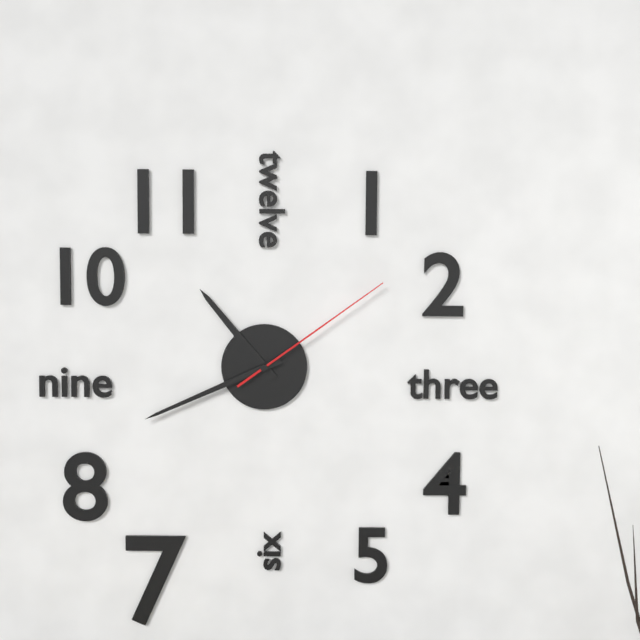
10:41:09
